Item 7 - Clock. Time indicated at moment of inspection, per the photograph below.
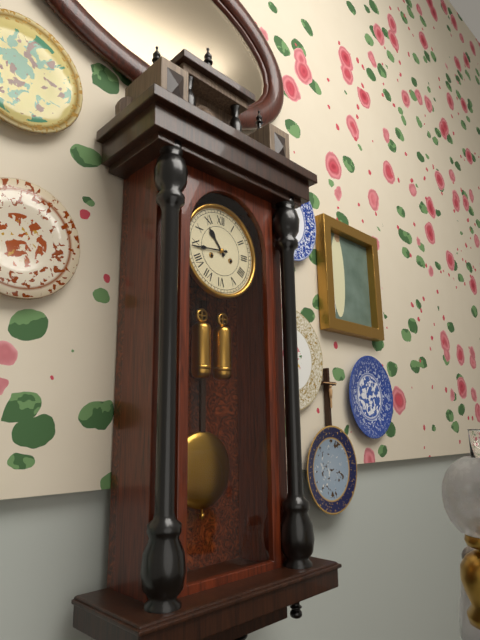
10:44
